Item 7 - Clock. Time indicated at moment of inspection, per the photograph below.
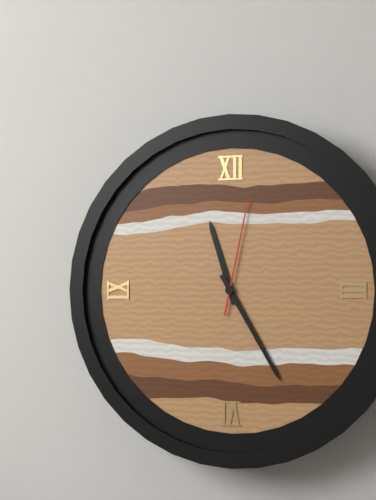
11:25:02
